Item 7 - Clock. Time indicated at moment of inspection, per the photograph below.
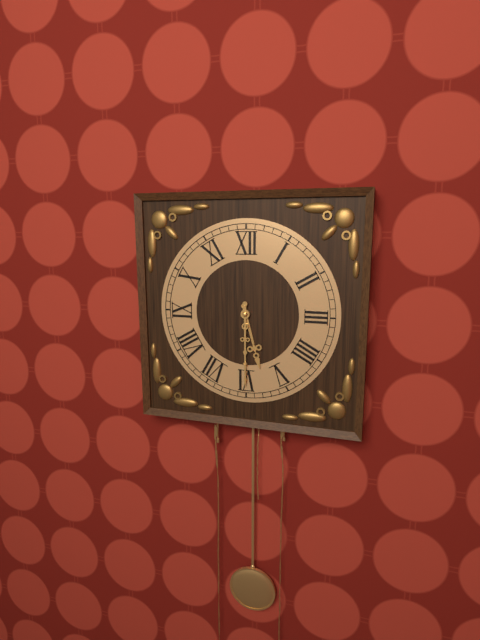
5:30
